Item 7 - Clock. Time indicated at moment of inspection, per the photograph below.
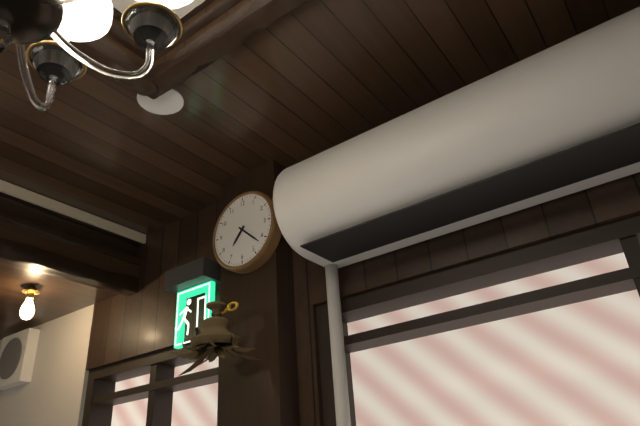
7:22
